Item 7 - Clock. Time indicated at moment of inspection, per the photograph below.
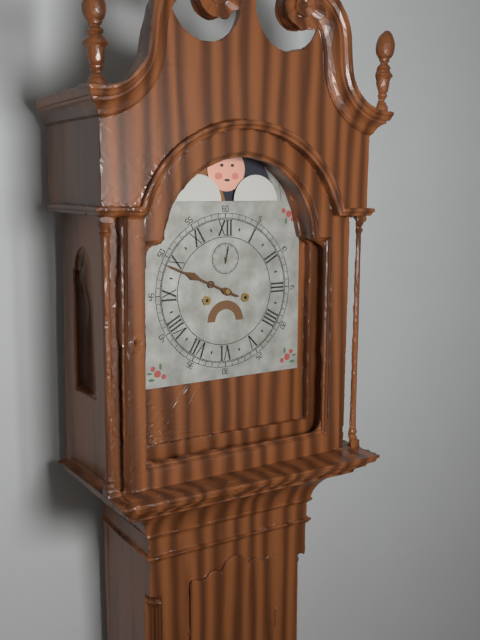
9:49
